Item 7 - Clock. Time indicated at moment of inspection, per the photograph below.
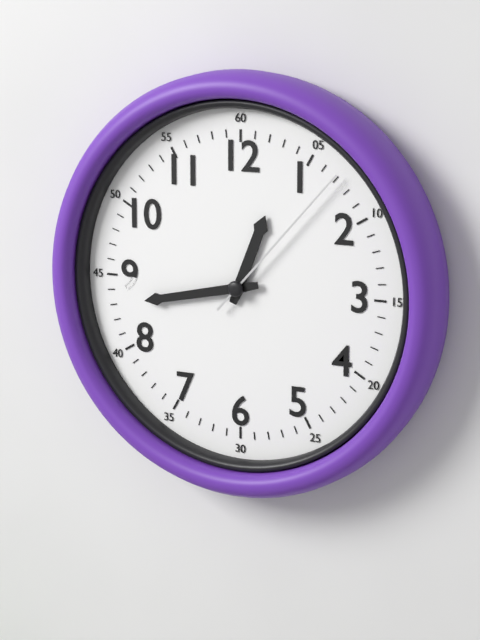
12:43:07
